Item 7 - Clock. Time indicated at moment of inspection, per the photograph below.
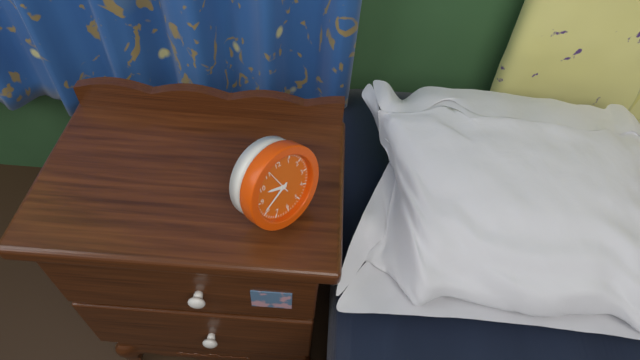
9:41
